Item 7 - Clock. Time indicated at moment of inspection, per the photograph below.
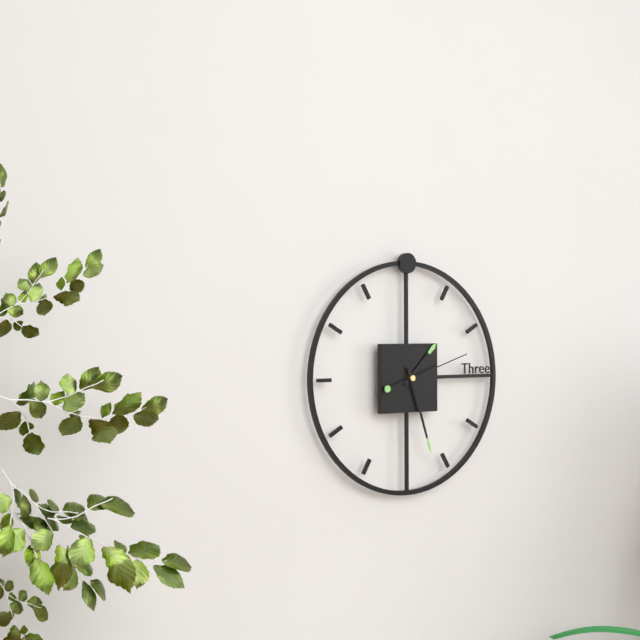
1:27:12
